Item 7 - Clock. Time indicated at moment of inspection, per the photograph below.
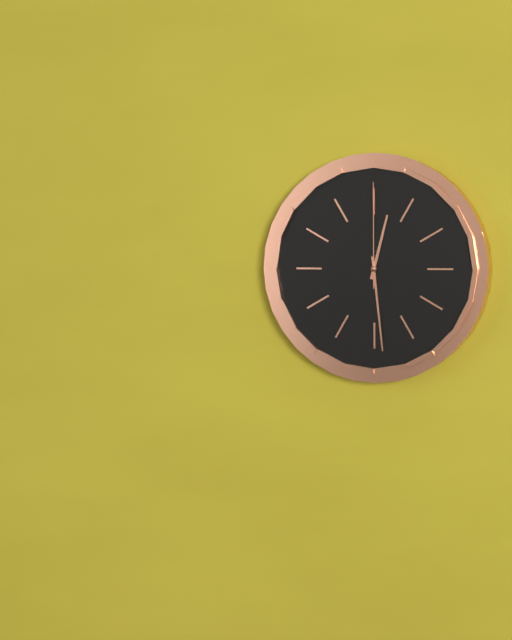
12:29:00
